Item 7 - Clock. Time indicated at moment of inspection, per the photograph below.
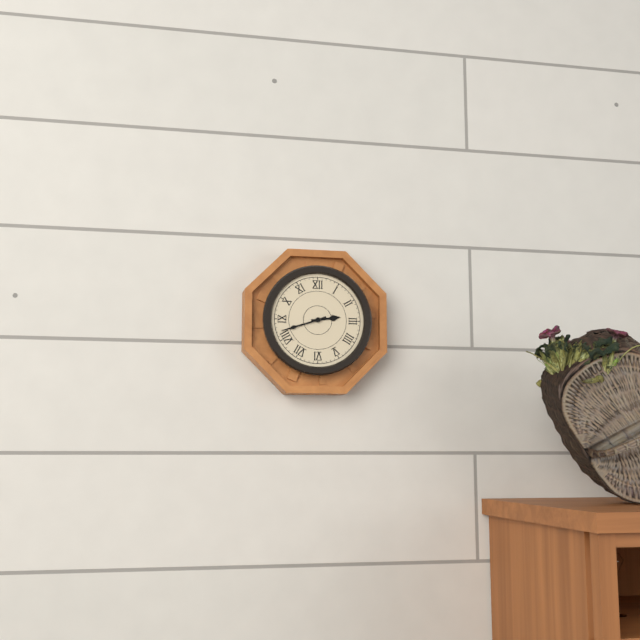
2:42
